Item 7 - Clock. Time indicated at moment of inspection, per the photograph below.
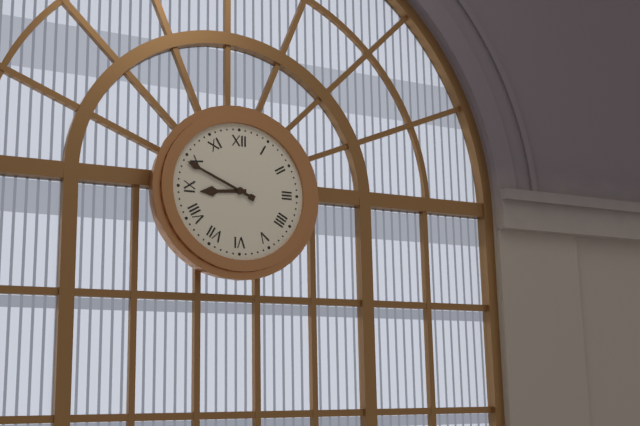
8:49
